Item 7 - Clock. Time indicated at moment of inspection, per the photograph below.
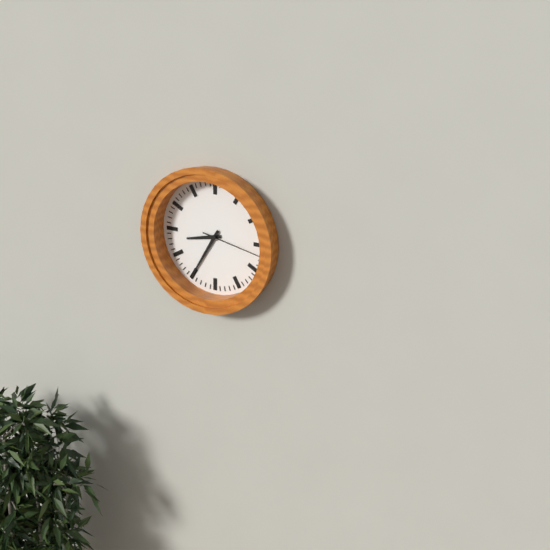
8:35:17
